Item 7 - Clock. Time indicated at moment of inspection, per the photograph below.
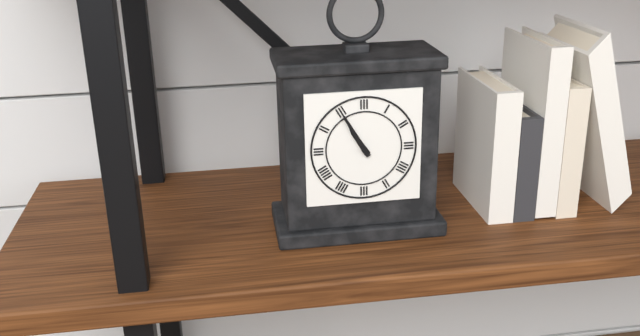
10:55
